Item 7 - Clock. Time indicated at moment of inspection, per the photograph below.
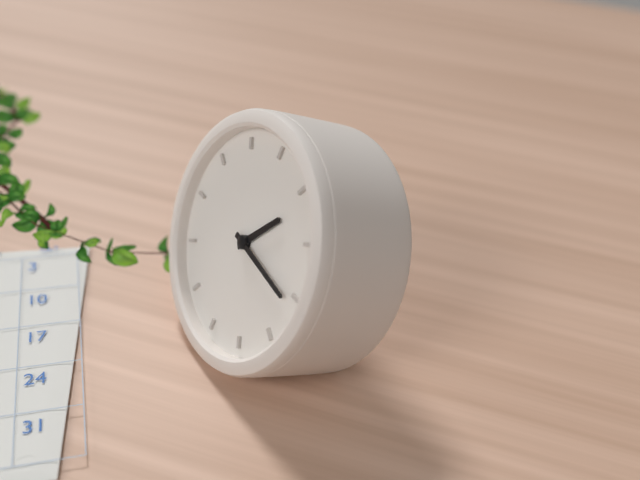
1:16
